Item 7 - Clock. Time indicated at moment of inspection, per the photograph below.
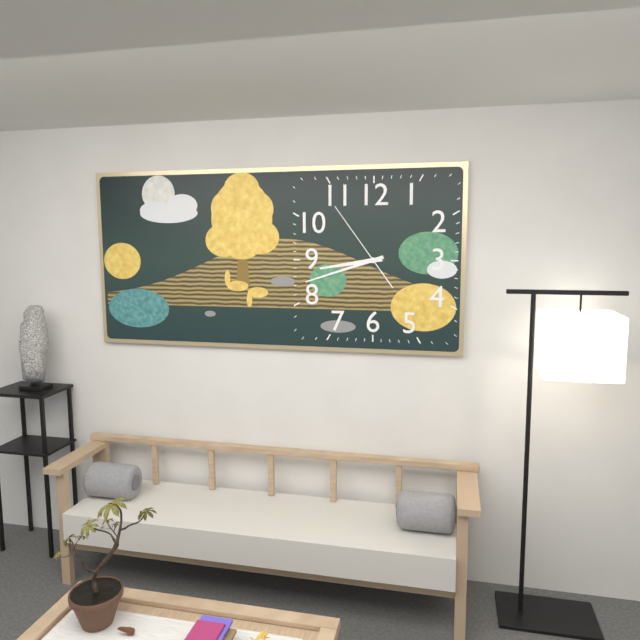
8:42:54
